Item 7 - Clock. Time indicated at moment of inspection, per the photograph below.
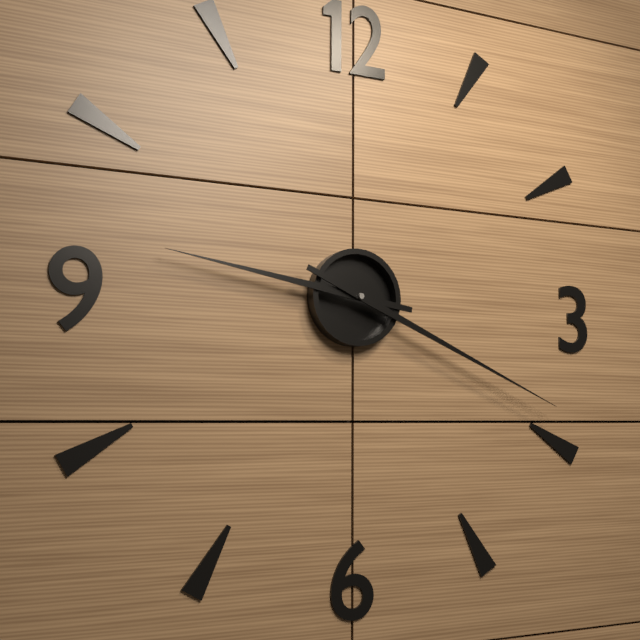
9:19
